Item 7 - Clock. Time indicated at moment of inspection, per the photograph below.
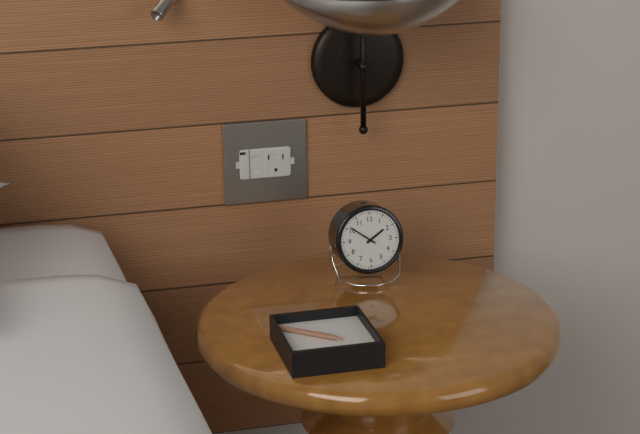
1:51
